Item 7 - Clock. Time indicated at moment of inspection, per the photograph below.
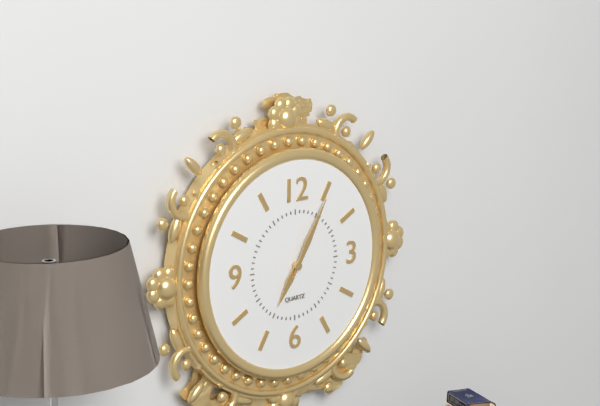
7:05
